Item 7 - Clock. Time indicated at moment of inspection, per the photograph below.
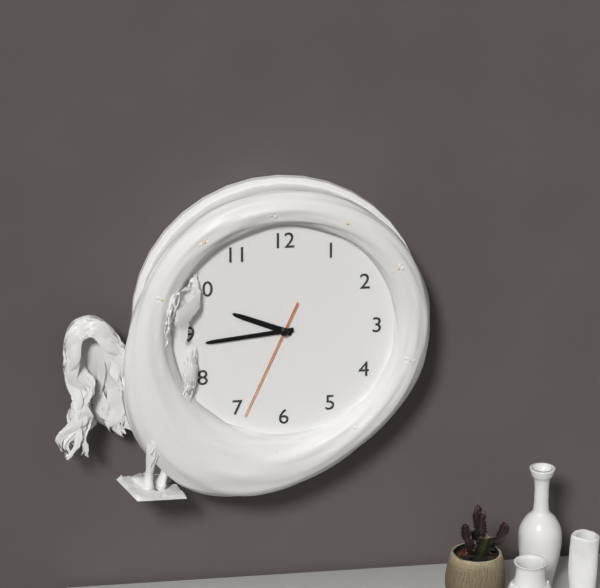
9:44:34
